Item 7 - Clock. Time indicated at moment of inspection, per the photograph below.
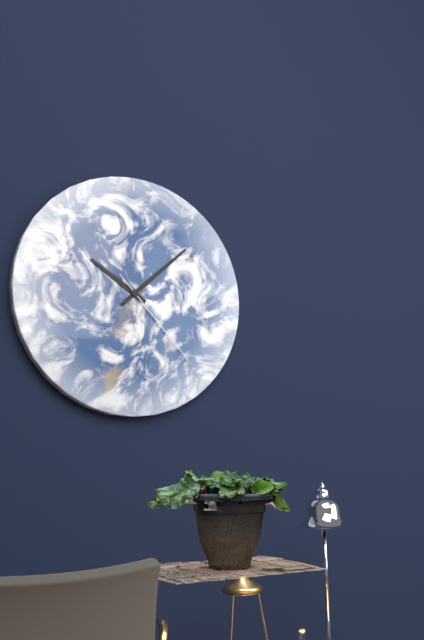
10:08:23
